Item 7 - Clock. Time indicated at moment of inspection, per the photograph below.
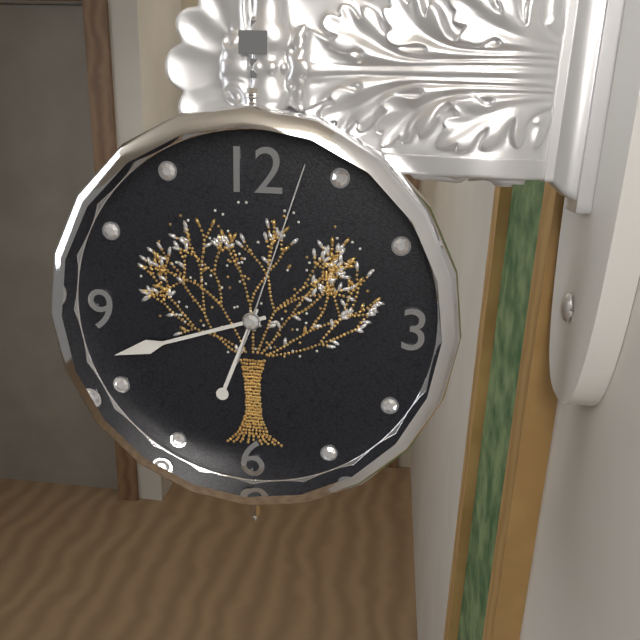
6:42:03
